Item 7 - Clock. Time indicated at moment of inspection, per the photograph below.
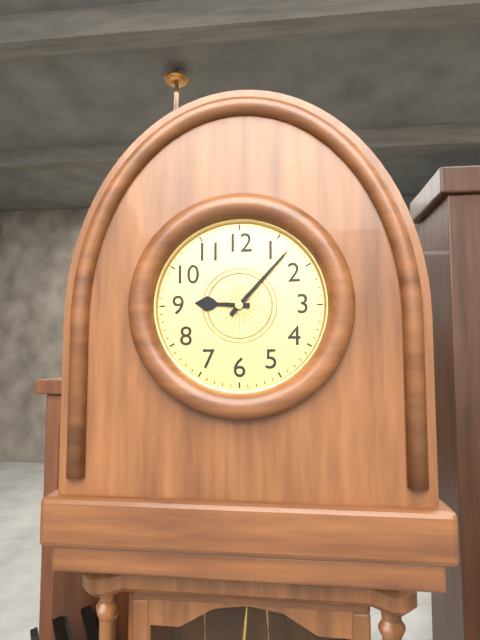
9:07
